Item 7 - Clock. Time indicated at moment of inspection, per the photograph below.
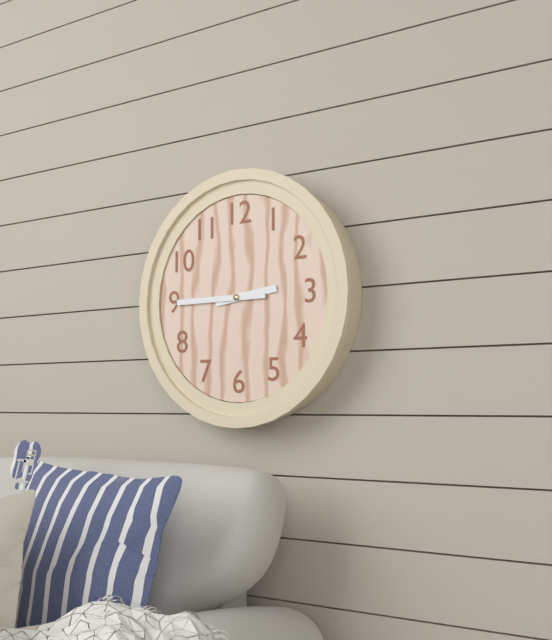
2:45
